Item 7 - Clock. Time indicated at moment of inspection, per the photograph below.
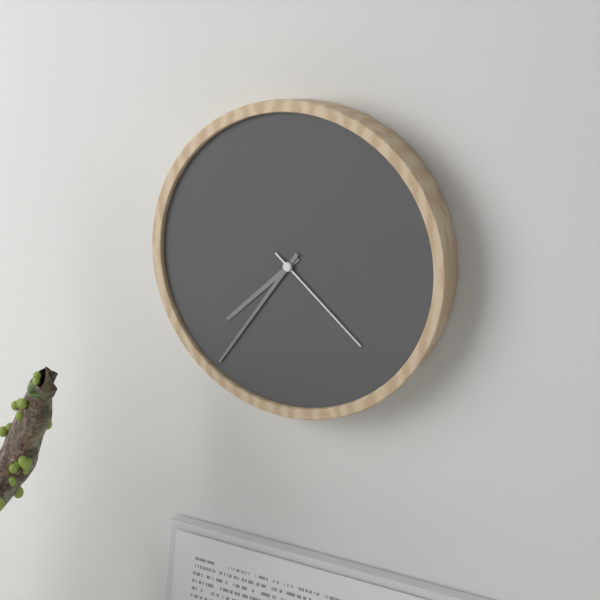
7:36:22
